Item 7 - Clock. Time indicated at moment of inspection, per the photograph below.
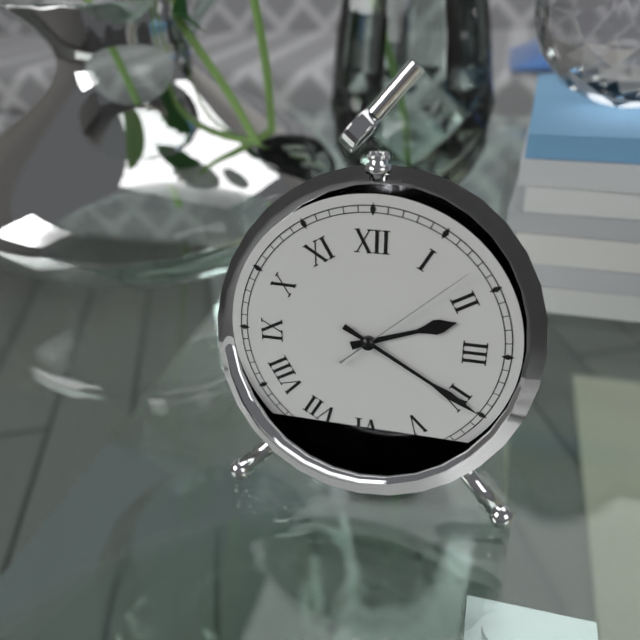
2:20:08
